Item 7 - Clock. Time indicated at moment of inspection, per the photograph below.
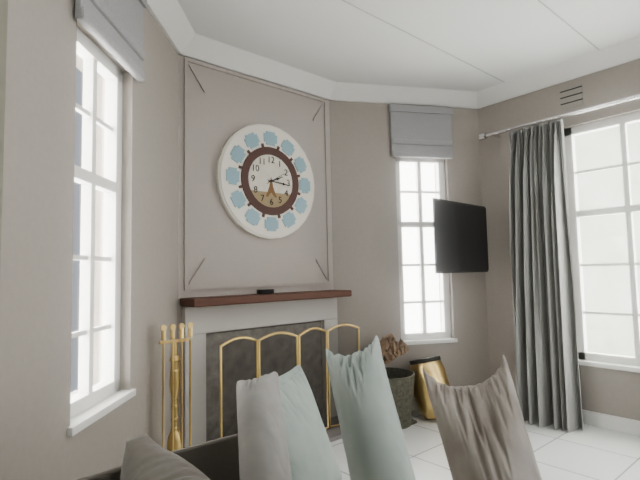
2:16
